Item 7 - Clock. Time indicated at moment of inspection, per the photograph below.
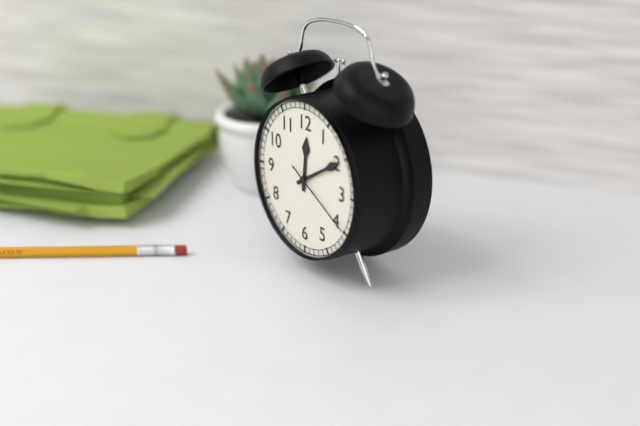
12:10:20
